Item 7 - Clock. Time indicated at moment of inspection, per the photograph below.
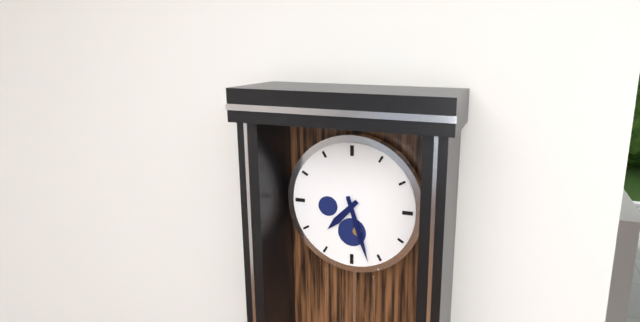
7:27
